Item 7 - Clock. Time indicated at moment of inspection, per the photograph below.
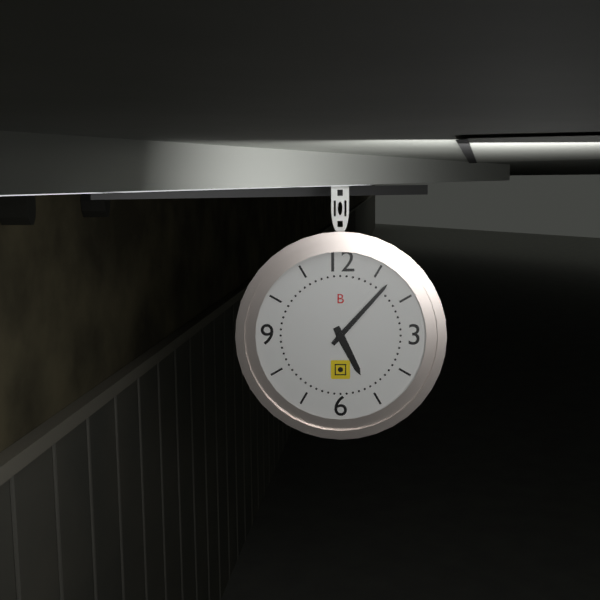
5:07
